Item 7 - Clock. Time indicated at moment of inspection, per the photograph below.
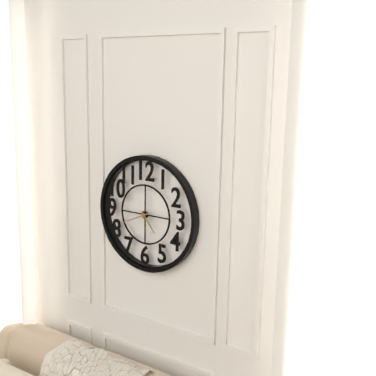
4:41
